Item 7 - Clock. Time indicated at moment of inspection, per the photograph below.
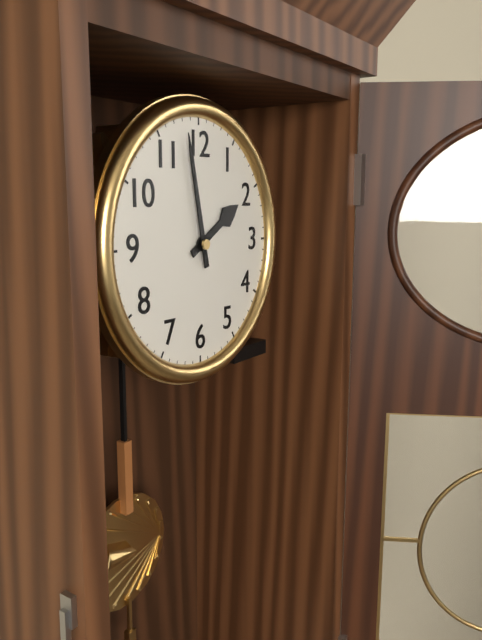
1:58
